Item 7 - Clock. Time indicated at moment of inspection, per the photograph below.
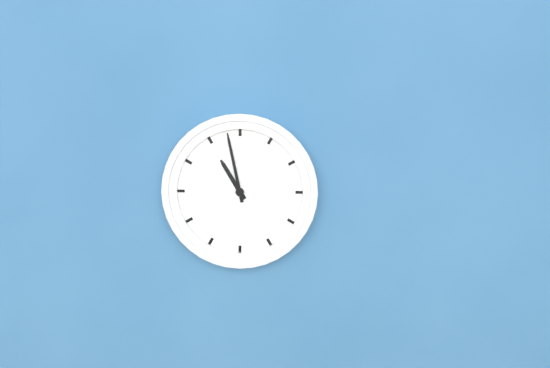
10:58
